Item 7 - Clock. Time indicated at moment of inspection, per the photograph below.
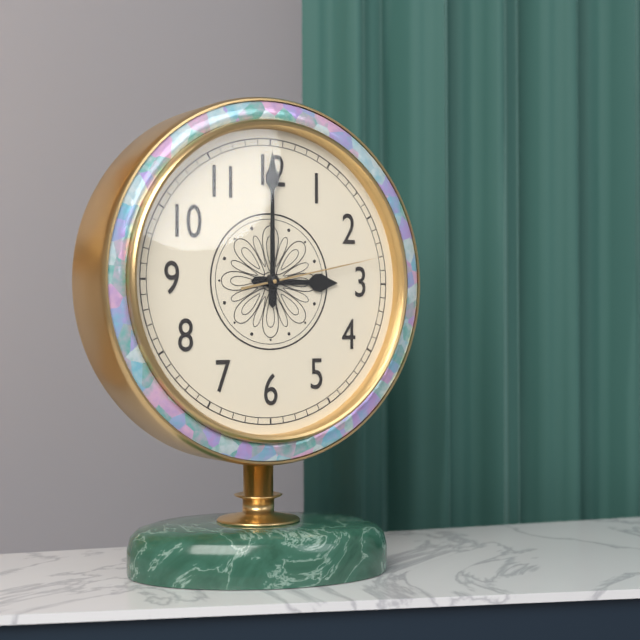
3:00:13
